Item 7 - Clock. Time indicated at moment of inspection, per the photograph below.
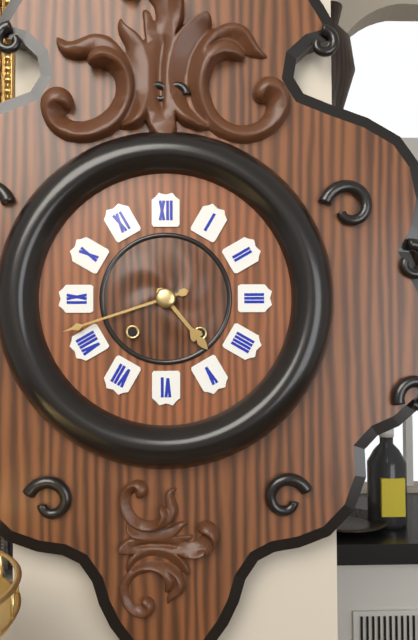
4:42
